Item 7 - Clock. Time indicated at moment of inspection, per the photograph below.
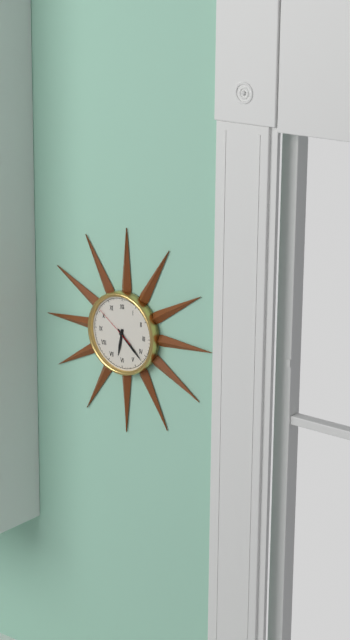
6:22
